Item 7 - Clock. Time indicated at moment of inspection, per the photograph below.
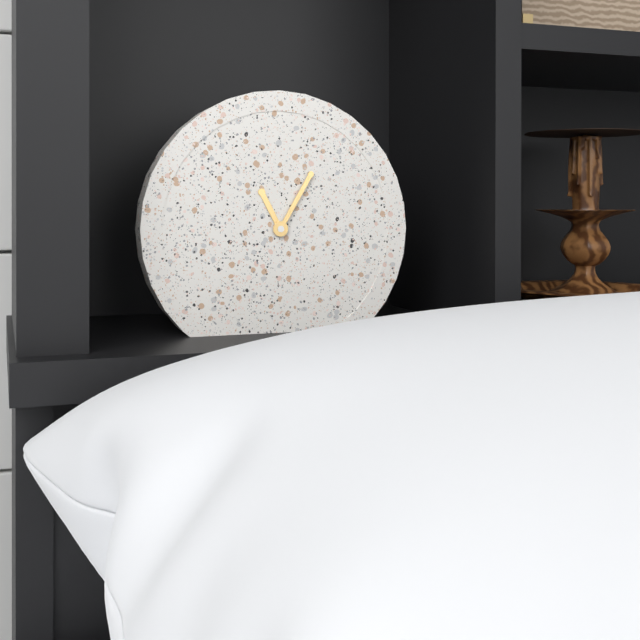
11:05
